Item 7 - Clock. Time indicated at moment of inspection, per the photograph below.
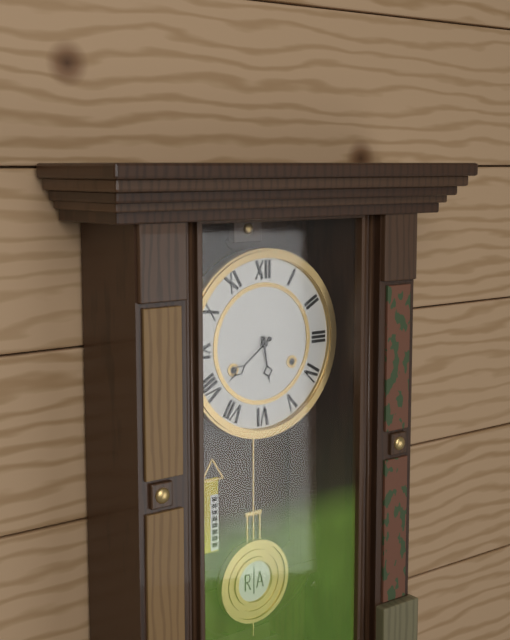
5:39
